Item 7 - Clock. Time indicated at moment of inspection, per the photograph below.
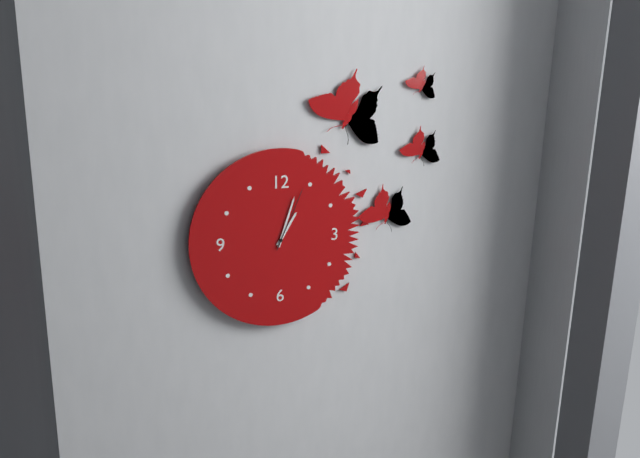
1:03:04
